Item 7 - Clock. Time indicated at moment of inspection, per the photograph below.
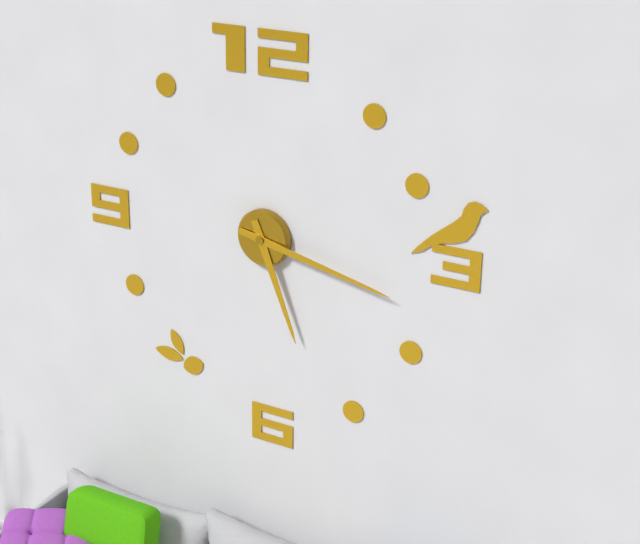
5:17
